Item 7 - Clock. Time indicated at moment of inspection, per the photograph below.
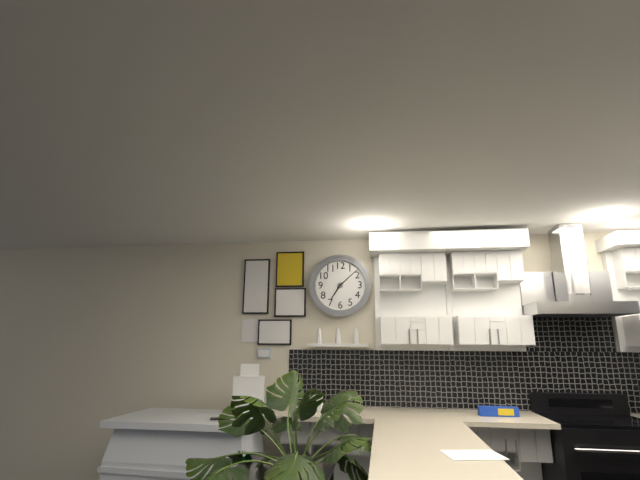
7:08
